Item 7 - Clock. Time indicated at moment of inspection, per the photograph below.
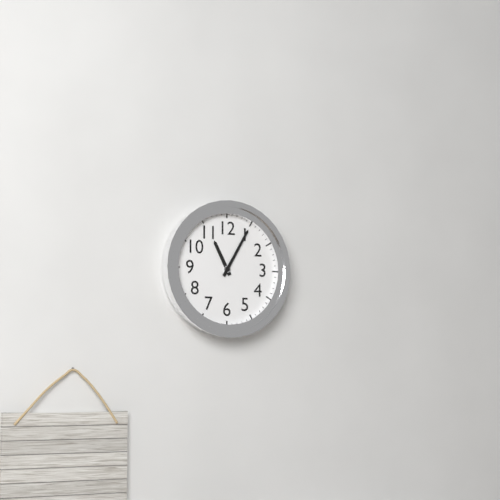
11:05
